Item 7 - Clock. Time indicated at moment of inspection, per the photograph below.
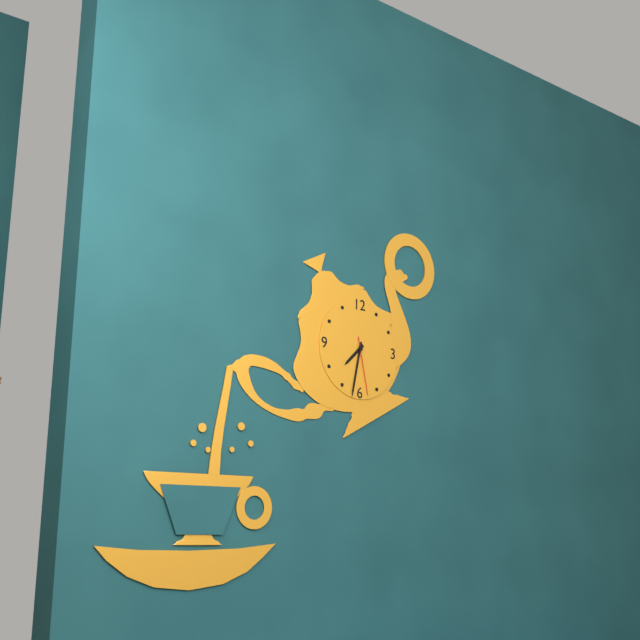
7:32:28
